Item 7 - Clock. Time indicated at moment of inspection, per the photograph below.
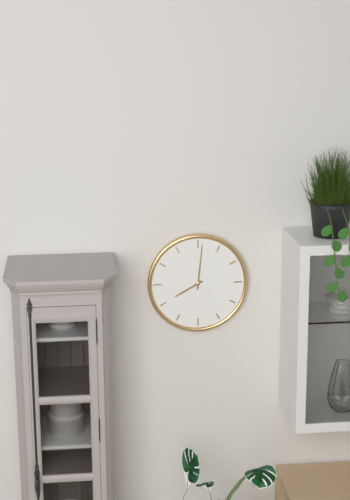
8:01
